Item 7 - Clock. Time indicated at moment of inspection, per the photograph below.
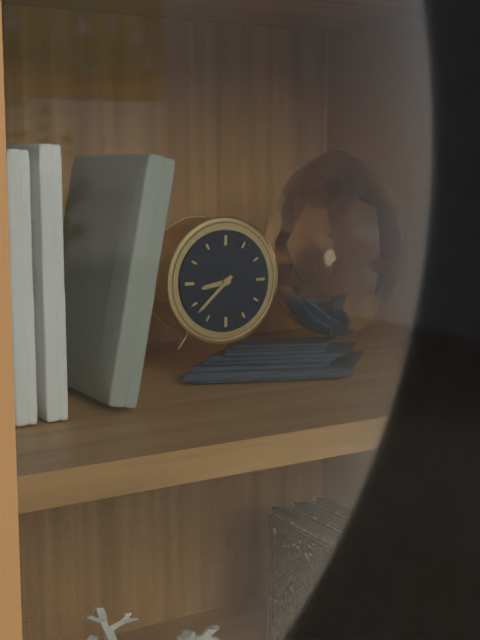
8:38
